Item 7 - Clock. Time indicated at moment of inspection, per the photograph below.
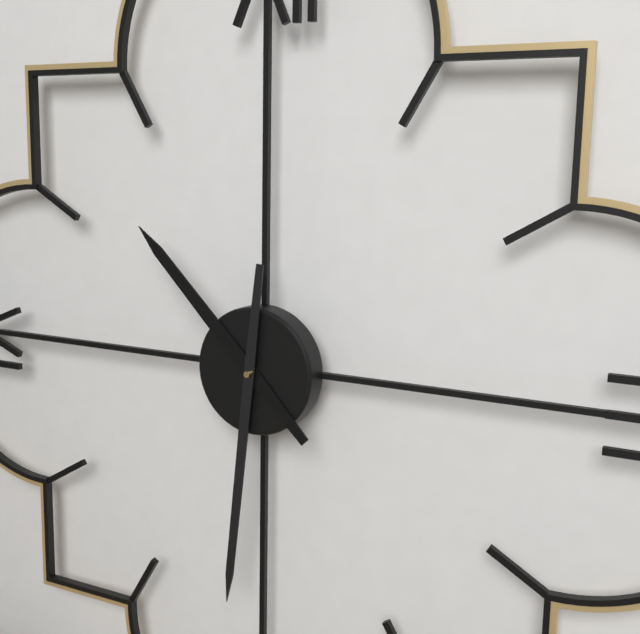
10:31
